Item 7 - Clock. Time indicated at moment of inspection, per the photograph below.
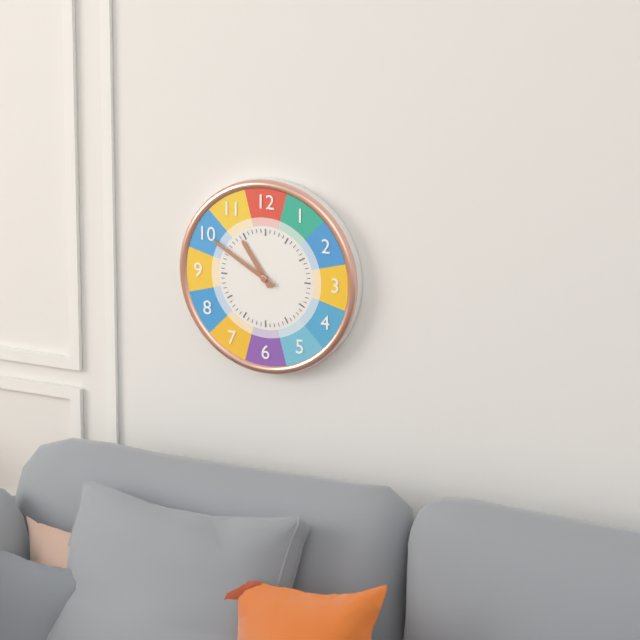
10:50
